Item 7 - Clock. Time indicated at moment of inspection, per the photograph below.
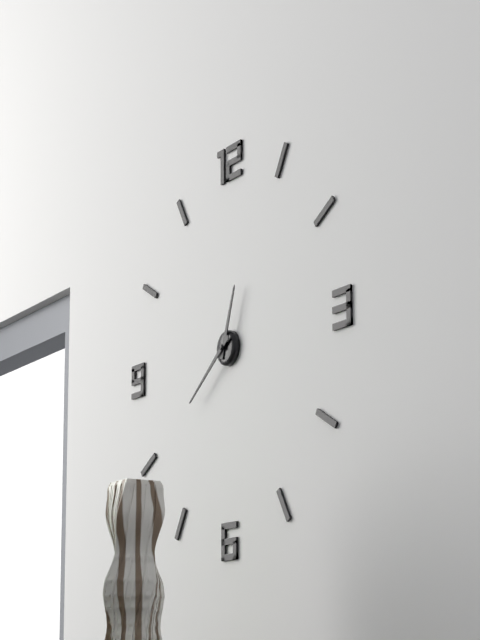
12:39
